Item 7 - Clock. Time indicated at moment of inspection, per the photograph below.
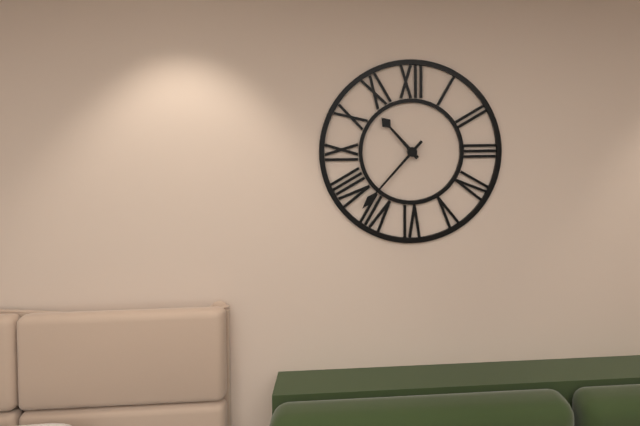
10:37
